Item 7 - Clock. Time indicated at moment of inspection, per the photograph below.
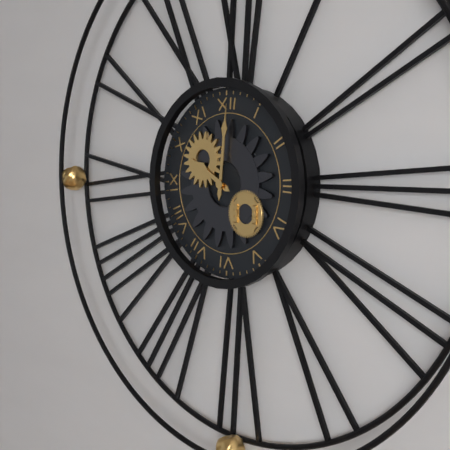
10:01
